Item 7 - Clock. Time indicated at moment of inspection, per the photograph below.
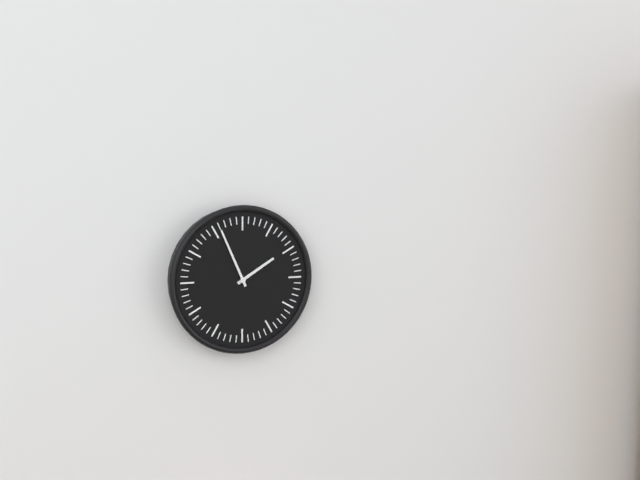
1:56
